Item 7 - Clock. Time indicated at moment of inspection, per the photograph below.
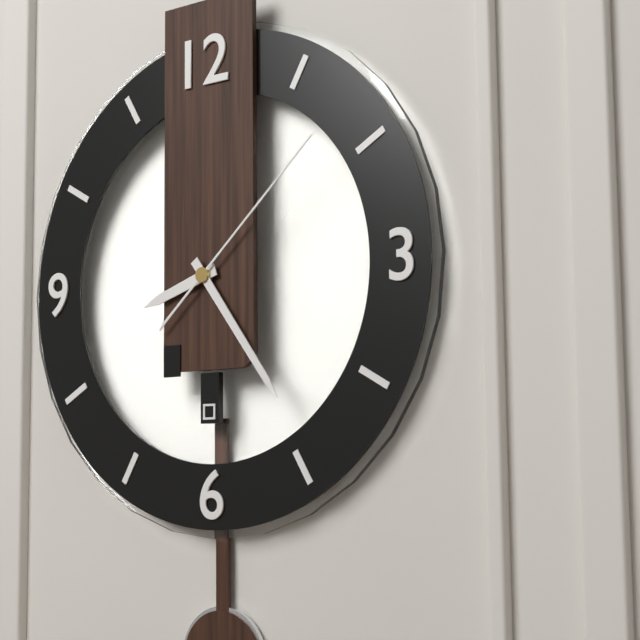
8:24:08
